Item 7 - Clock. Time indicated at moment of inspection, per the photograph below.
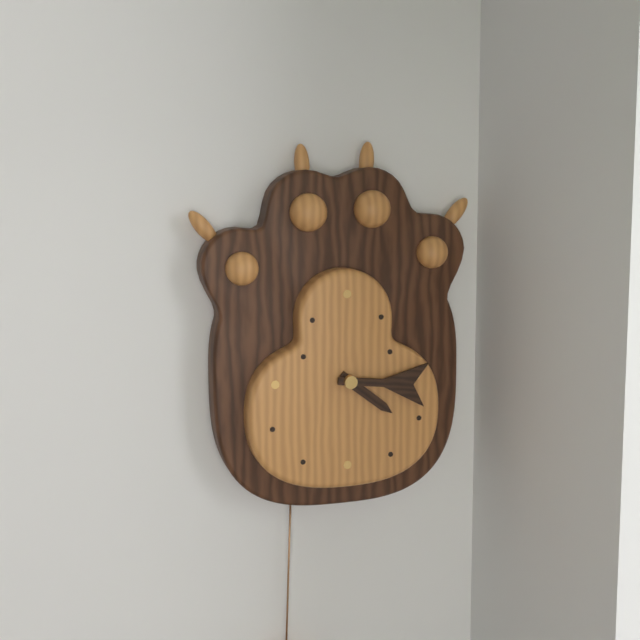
4:16
